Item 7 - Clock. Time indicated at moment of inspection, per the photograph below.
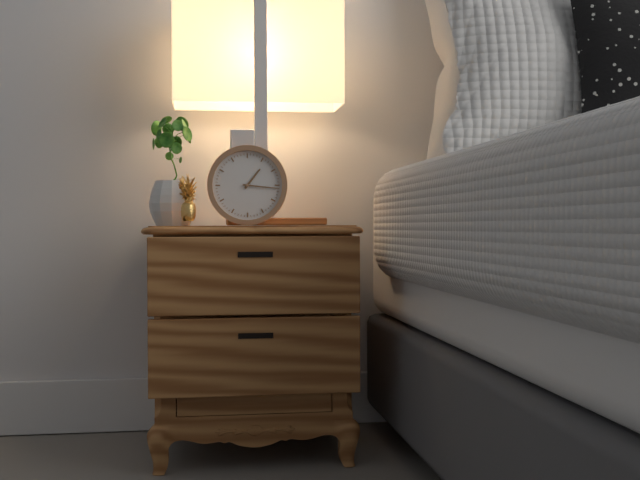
1:16
